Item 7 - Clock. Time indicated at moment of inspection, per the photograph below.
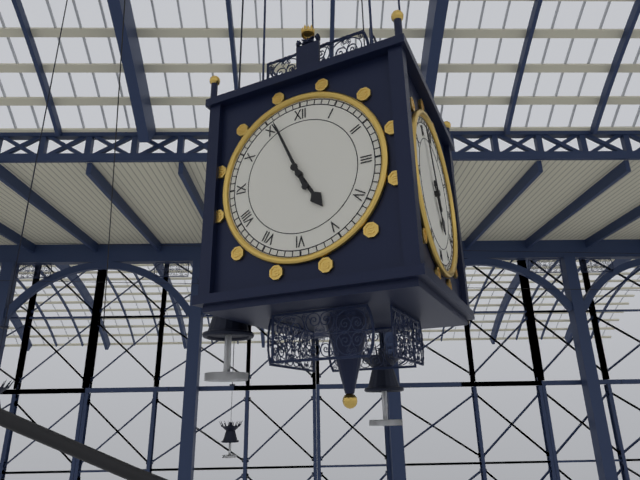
4:56
